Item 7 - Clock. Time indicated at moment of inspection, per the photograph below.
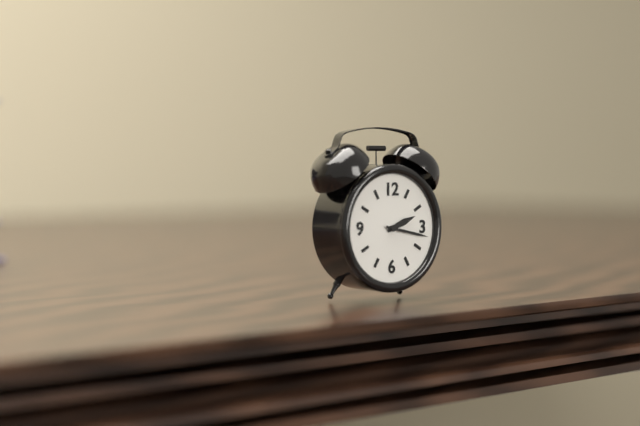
2:17
